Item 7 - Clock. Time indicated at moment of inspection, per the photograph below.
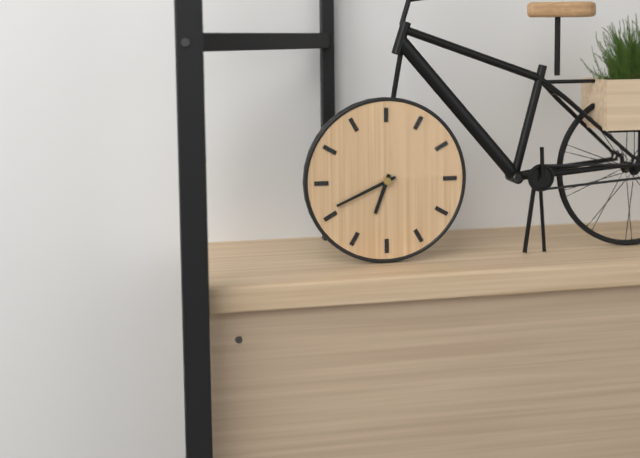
6:41
